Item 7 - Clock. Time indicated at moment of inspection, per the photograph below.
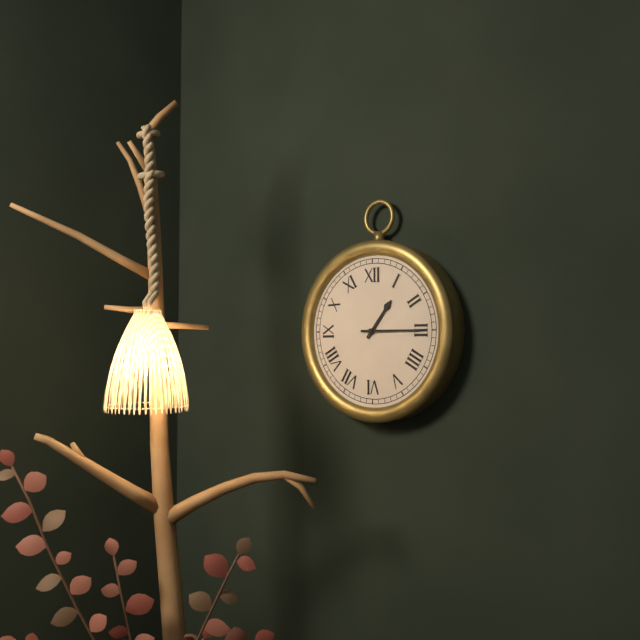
1:15
